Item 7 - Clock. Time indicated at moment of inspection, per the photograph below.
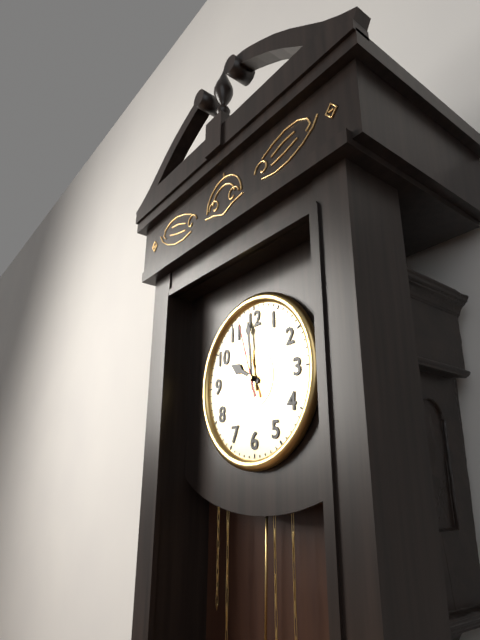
9:59:57
